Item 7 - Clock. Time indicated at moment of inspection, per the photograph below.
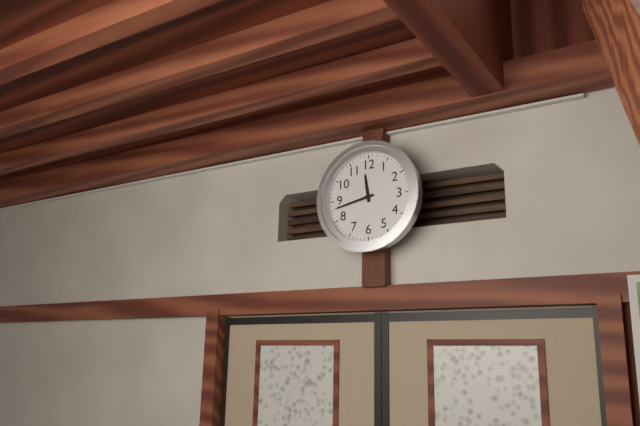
11:43
